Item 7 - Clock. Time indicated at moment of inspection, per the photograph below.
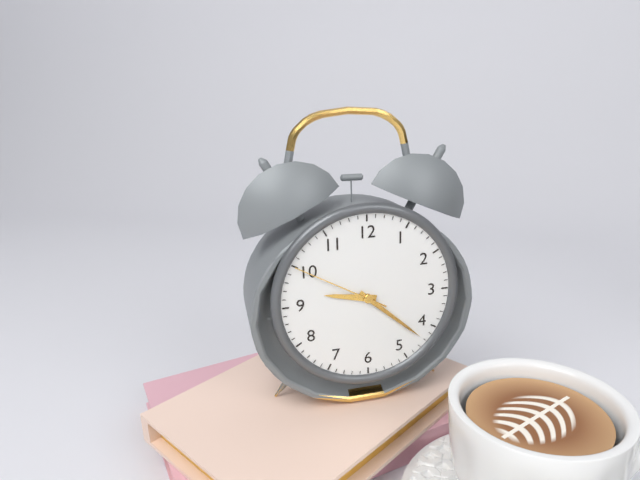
9:22:50
